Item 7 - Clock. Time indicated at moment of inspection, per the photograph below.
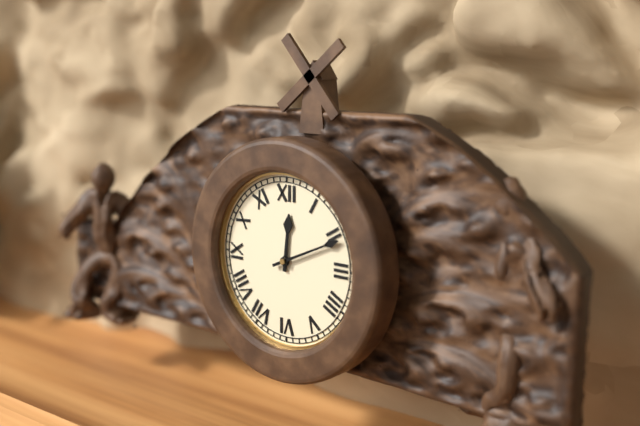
12:11
